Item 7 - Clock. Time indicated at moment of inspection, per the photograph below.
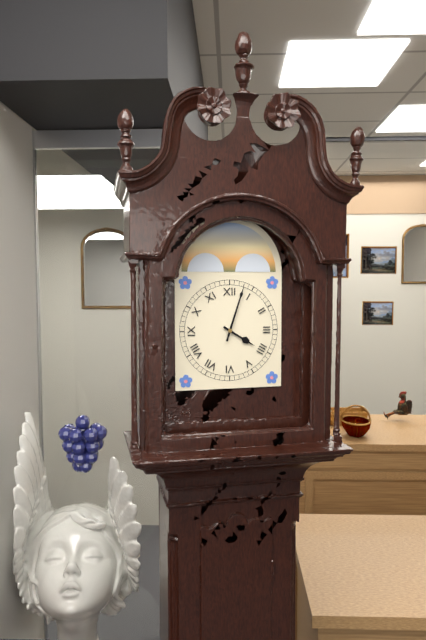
4:03
